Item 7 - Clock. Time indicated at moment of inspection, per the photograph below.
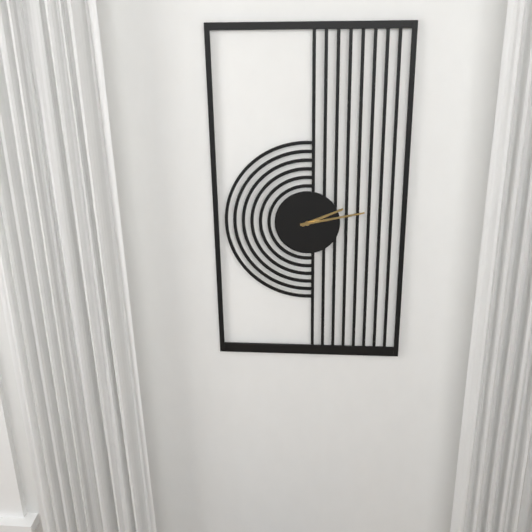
2:13
